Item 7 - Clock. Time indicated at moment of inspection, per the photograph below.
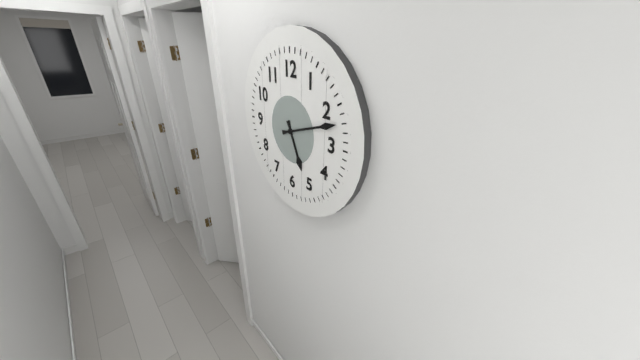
5:12
